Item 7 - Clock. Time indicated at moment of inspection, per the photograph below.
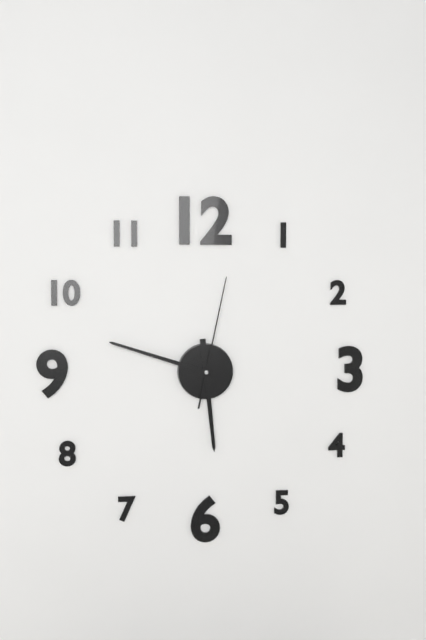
5:48:02
